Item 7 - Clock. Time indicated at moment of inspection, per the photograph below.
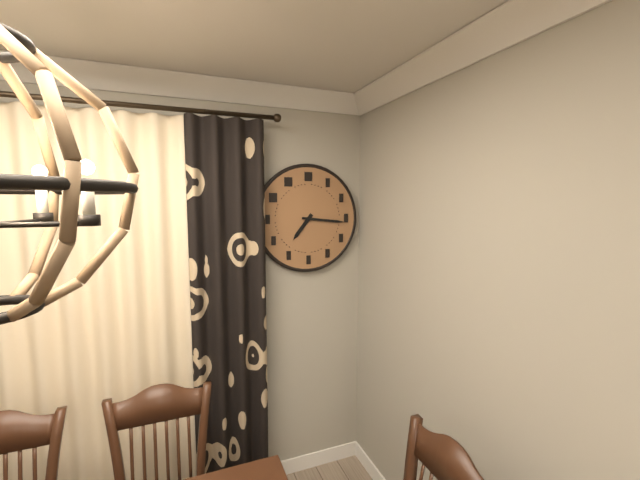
7:16
